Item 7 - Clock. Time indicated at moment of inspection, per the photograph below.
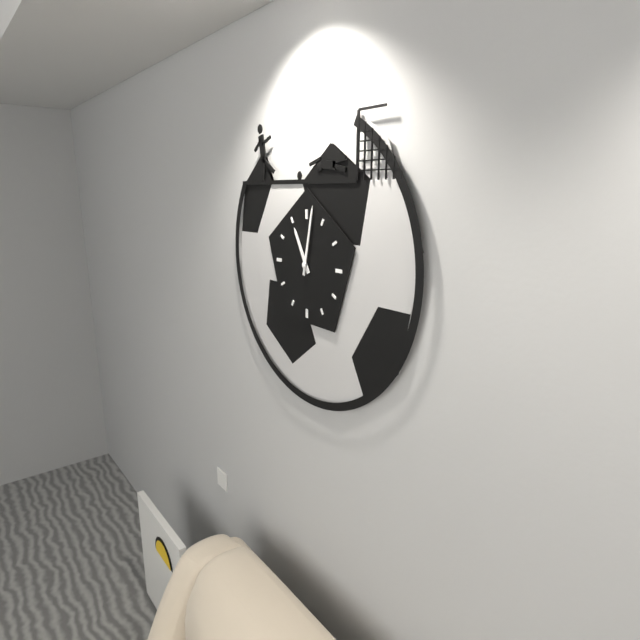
11:02
